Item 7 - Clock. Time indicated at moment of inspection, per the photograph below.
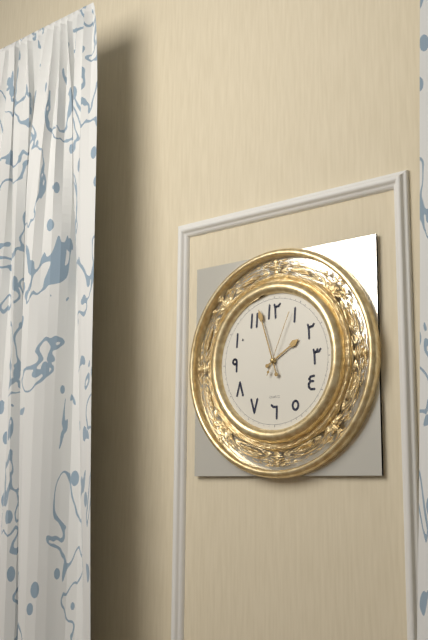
1:57:04
